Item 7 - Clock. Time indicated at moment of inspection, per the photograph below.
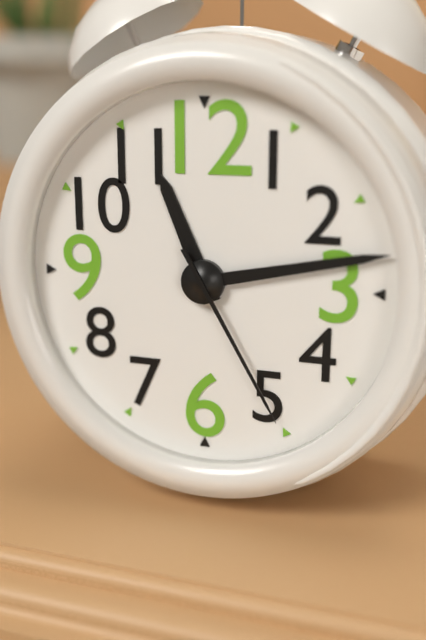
11:13:25
